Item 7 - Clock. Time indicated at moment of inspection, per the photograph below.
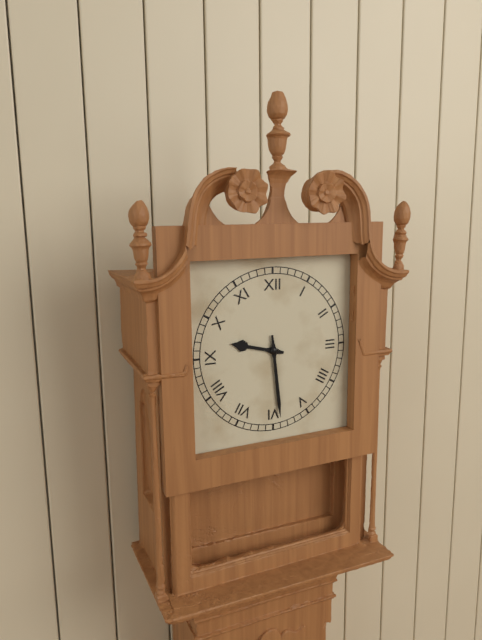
9:29
